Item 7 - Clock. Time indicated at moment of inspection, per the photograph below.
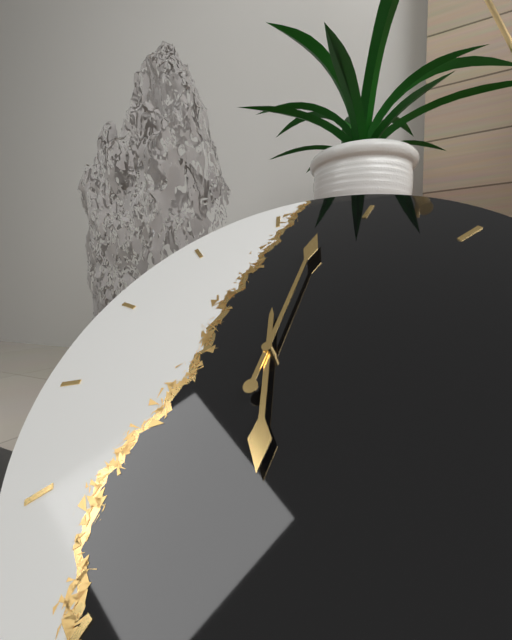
6:03
